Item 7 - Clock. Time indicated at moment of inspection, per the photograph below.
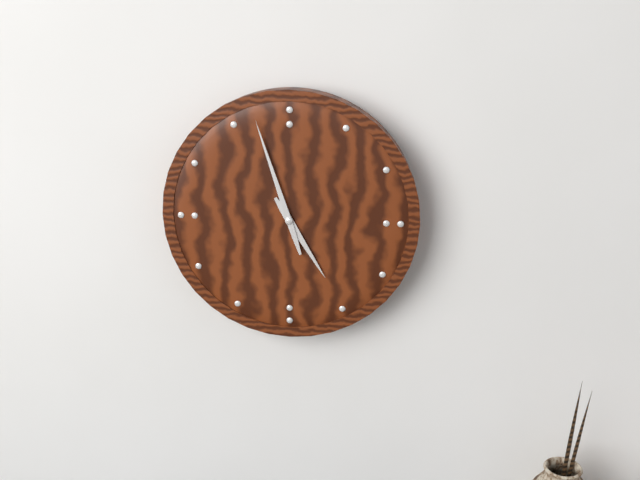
4:57
